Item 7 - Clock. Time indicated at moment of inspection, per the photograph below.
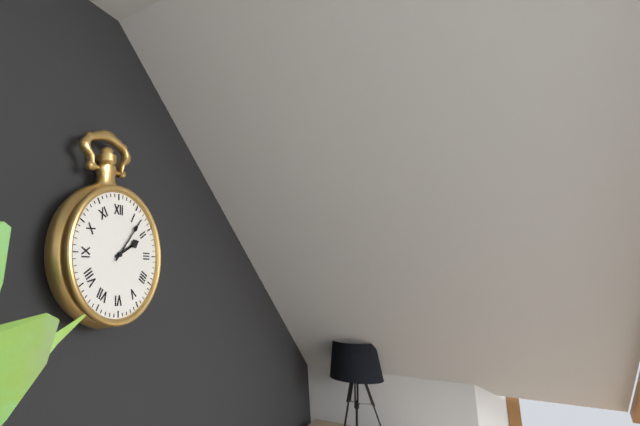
2:07
